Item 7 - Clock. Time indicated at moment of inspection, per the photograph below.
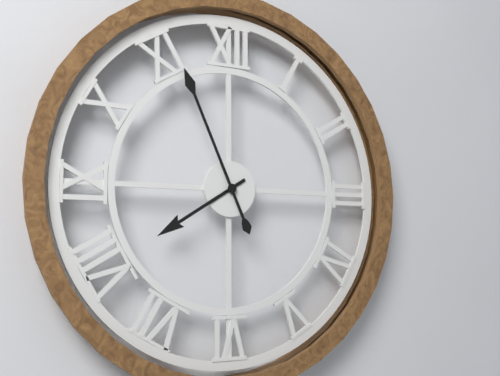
7:56
